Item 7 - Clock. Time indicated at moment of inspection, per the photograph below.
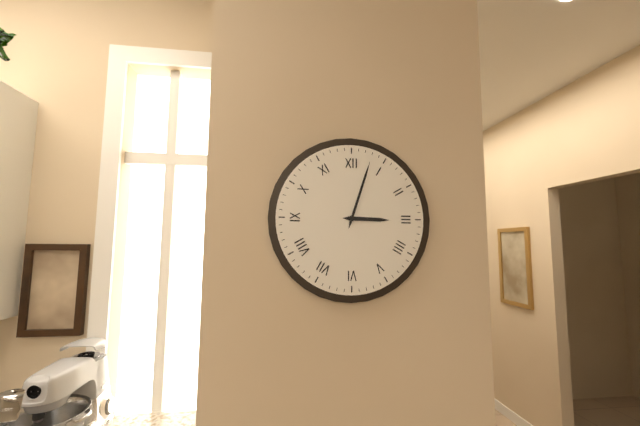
3:03
